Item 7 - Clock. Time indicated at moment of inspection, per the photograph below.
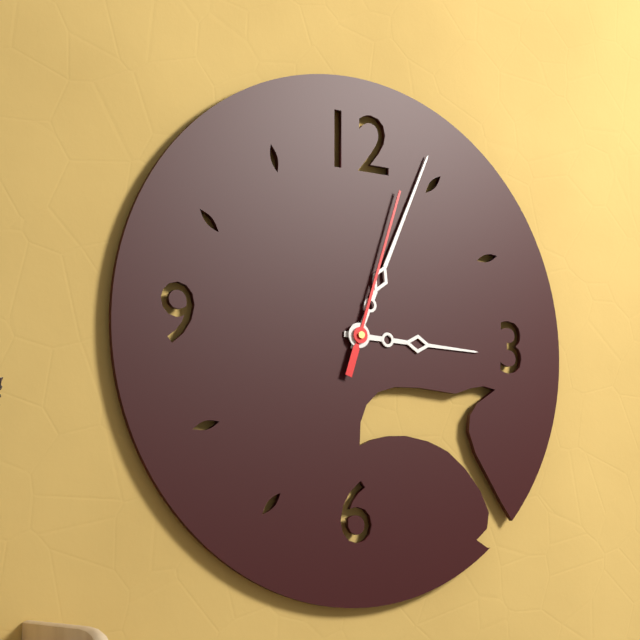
3:04:03
